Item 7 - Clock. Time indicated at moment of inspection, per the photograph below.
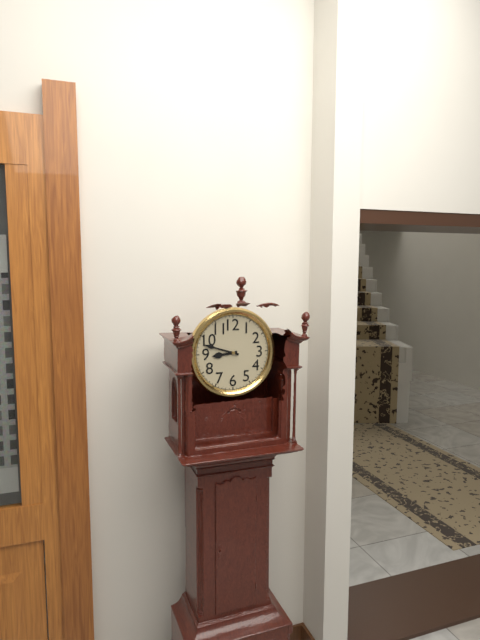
8:48
